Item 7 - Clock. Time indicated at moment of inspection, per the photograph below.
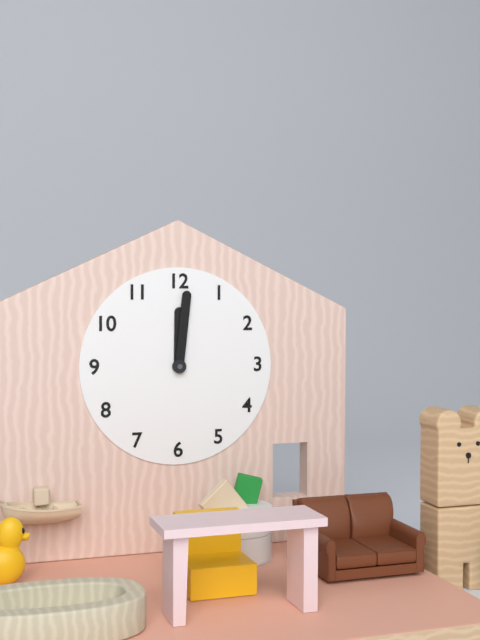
12:01
